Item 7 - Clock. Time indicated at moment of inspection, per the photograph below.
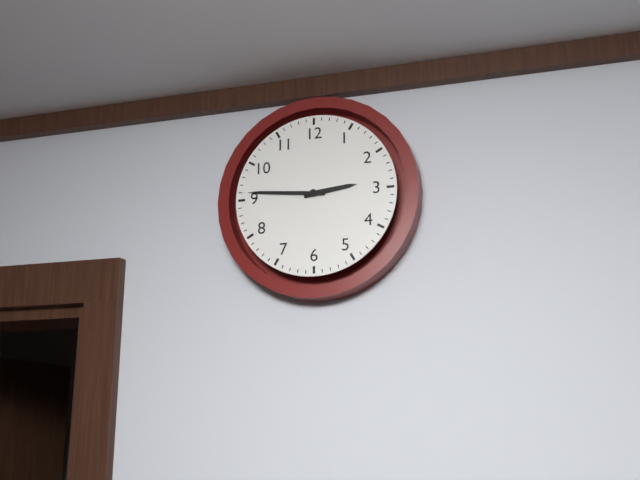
2:46
